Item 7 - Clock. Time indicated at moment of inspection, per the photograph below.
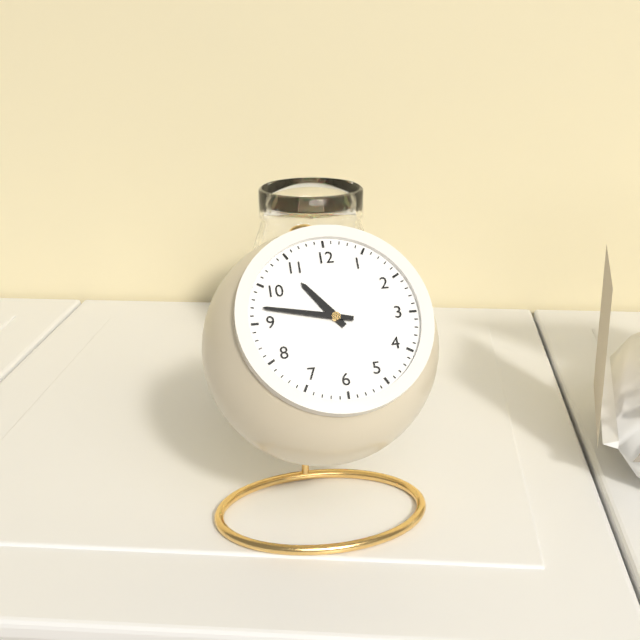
10:47
